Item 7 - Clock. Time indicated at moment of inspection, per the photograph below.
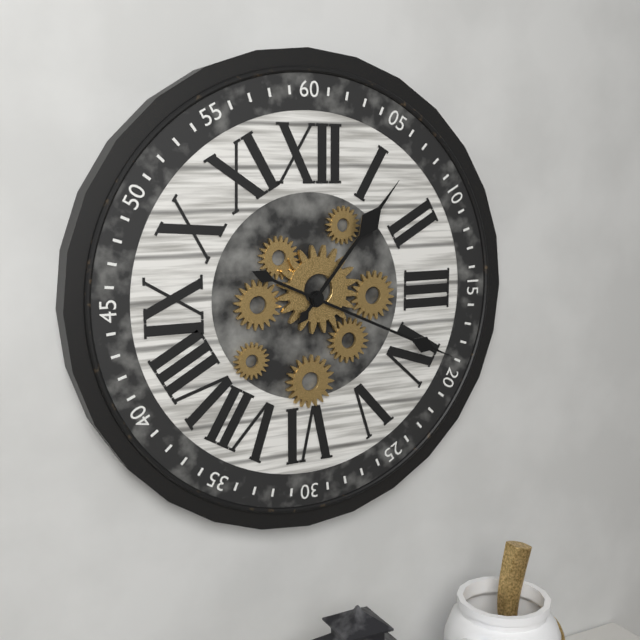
1:19
